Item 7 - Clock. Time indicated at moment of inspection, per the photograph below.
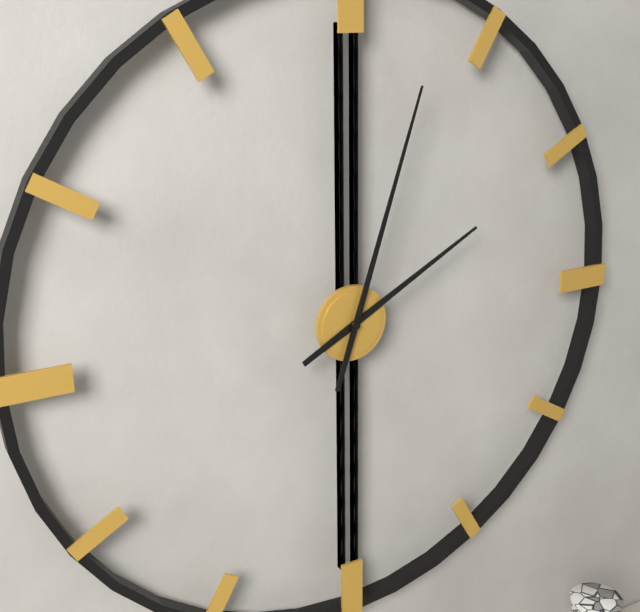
2:03
